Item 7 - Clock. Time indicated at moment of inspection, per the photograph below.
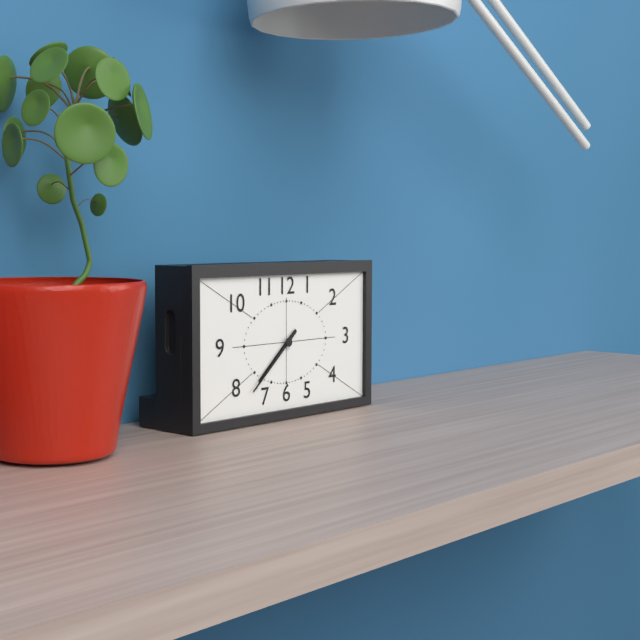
7:38
